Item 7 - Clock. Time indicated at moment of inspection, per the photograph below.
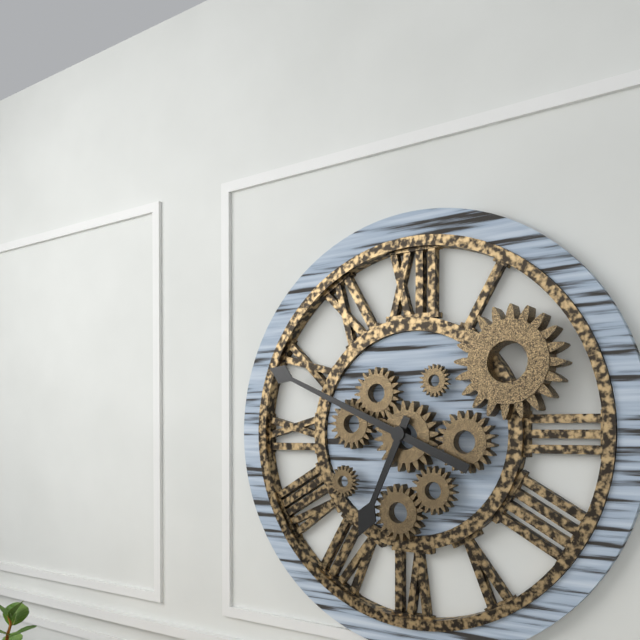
6:49
